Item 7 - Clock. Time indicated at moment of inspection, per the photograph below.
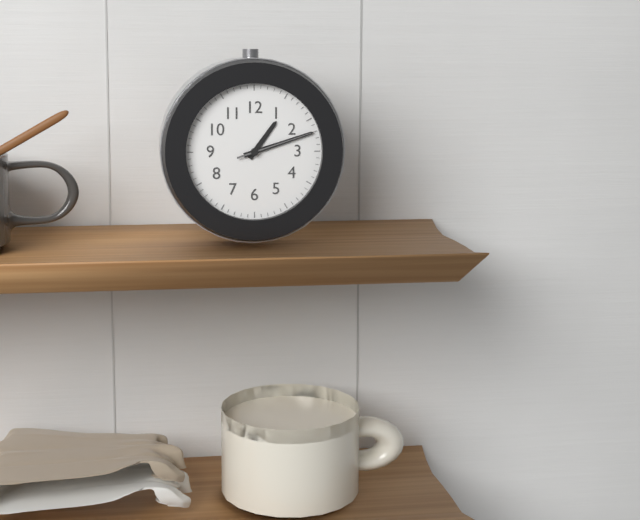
1:12:12
